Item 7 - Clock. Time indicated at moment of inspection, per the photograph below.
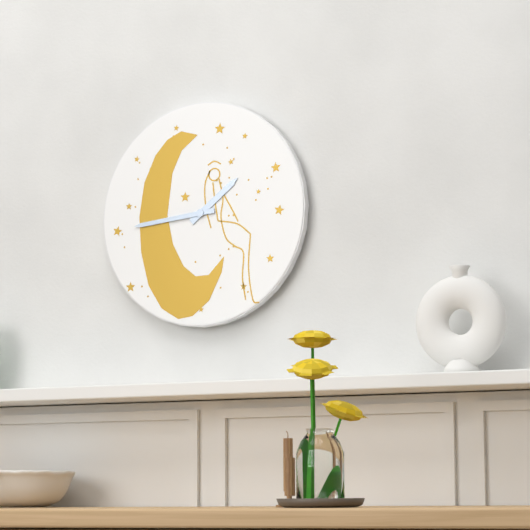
1:44
